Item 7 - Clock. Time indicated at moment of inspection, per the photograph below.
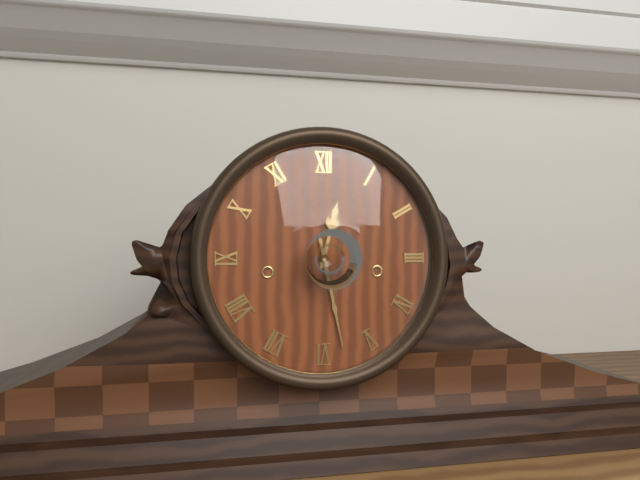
12:28
